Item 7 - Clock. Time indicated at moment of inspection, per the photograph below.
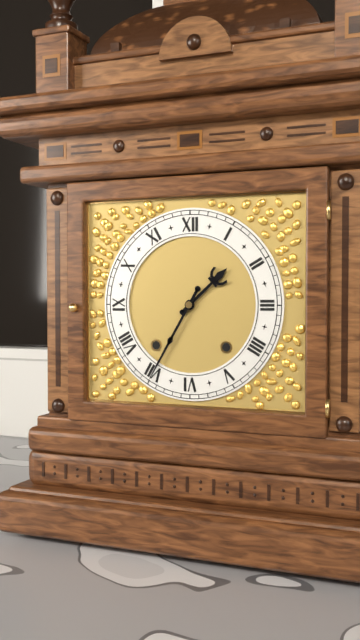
1:35
